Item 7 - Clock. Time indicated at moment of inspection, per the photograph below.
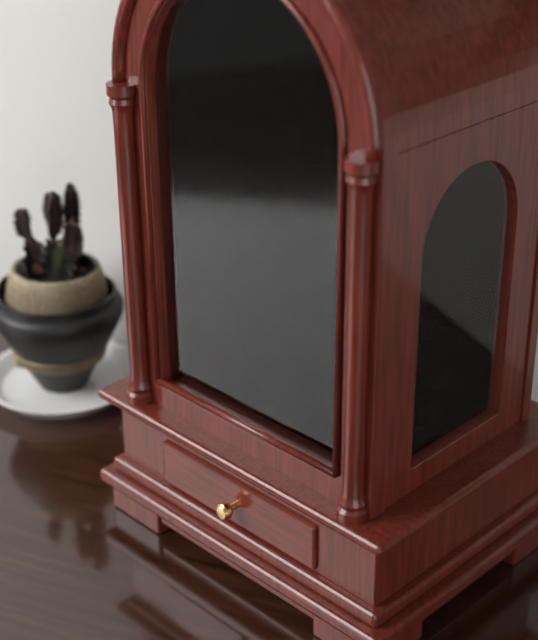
9:21
